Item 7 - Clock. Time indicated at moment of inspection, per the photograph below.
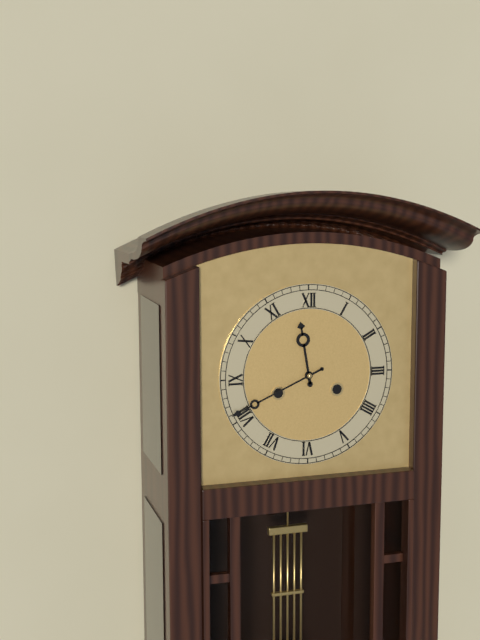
11:41
